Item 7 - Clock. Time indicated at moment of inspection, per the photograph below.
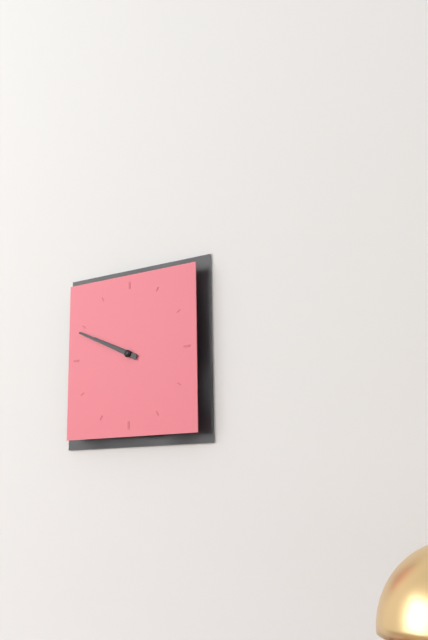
9:49
